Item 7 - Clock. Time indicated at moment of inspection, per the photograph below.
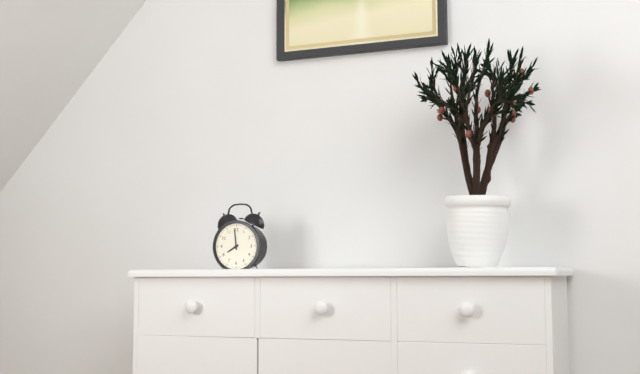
7:59
